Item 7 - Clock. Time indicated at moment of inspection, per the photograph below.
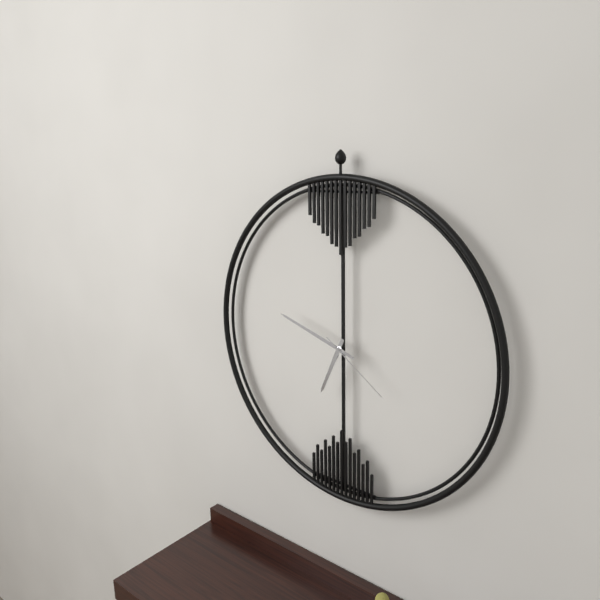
6:48:21
